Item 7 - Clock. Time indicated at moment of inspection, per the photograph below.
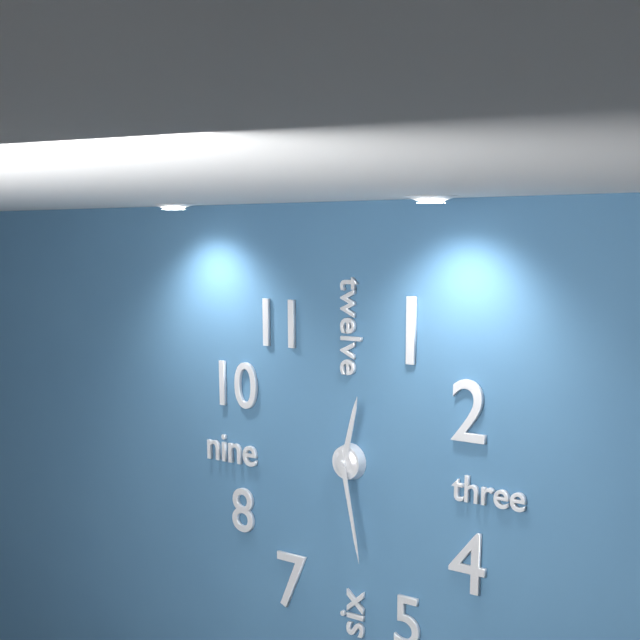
12:28
